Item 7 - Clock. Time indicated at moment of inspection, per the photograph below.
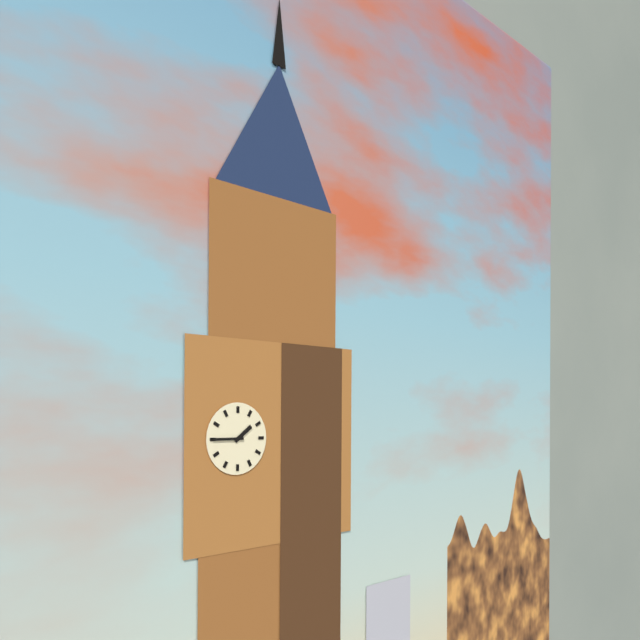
1:45
